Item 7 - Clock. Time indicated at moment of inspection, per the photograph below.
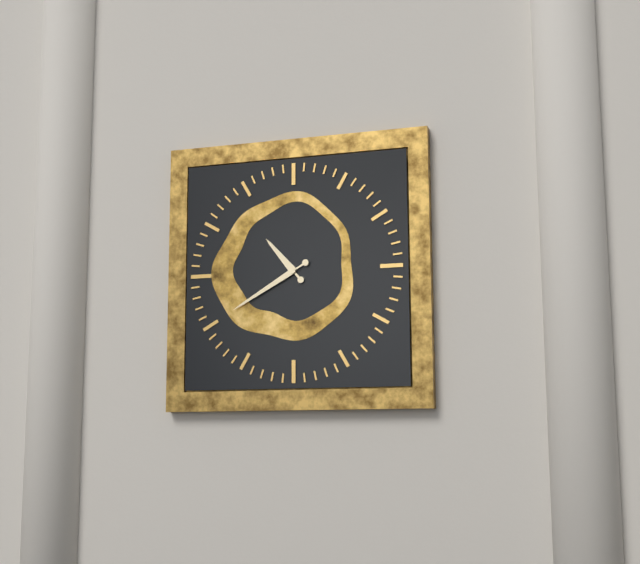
10:40
